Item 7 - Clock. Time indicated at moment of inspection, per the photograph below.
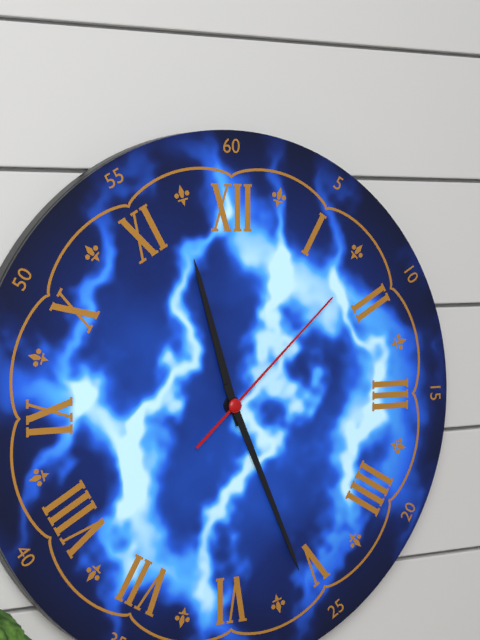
11:26:08
